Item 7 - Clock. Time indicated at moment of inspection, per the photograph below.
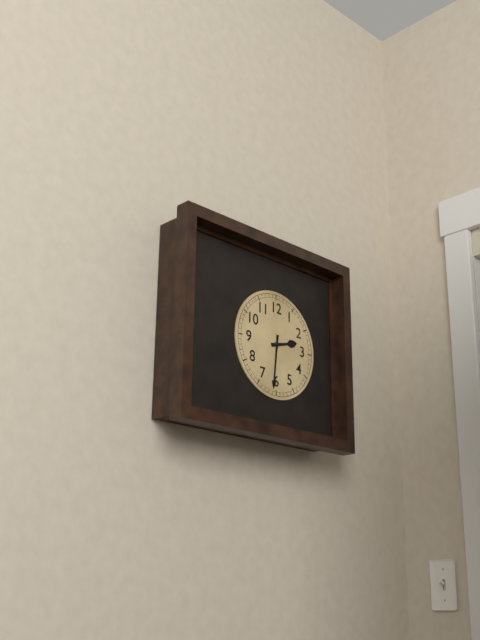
2:31
